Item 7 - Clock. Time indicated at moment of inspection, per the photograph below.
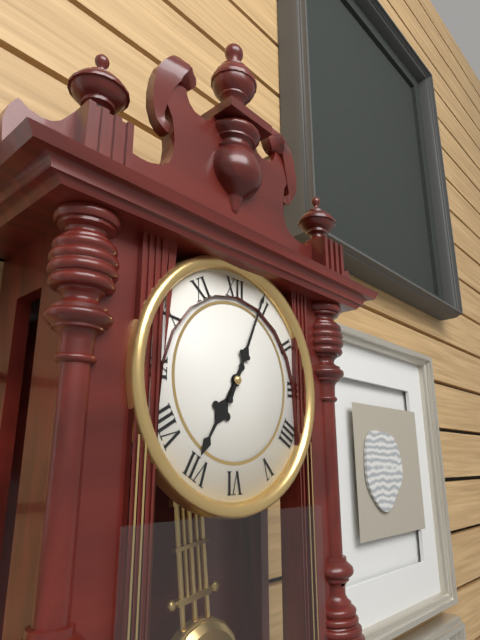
7:04
